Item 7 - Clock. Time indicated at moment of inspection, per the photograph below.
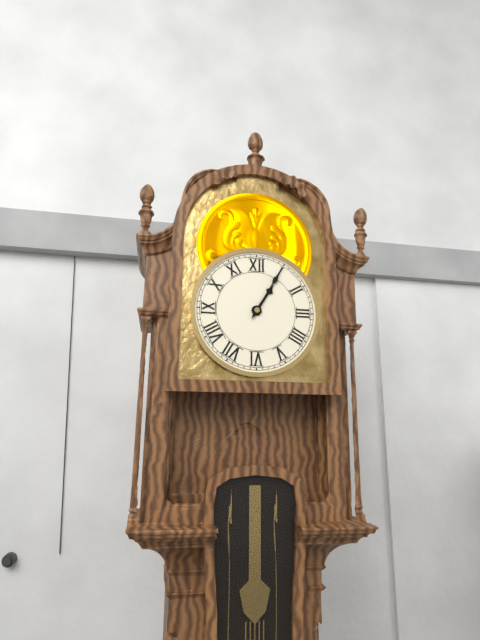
1:05
